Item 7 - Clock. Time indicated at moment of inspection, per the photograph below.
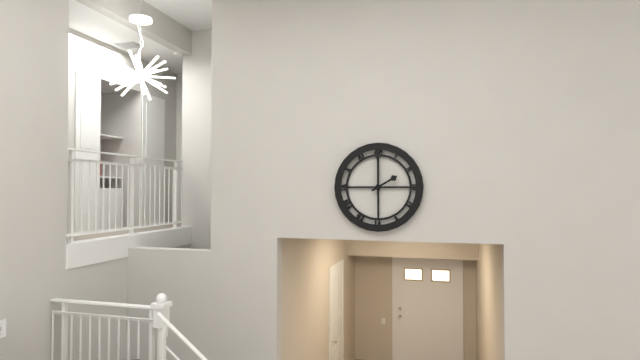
2:00
